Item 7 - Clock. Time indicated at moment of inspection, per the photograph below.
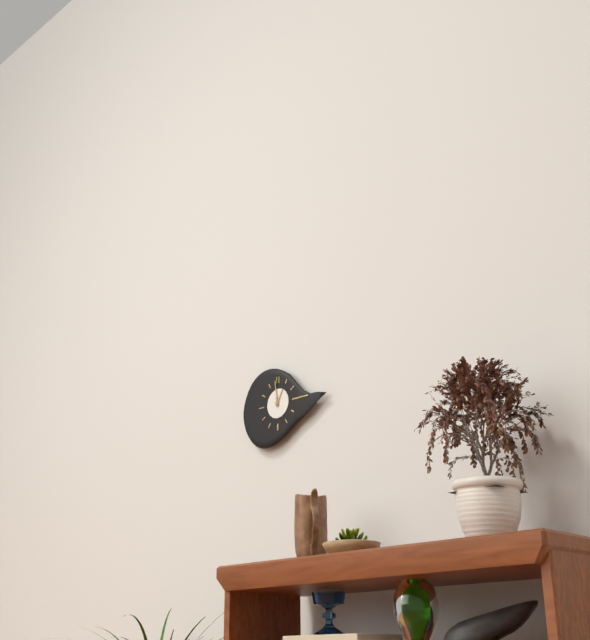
12:59
